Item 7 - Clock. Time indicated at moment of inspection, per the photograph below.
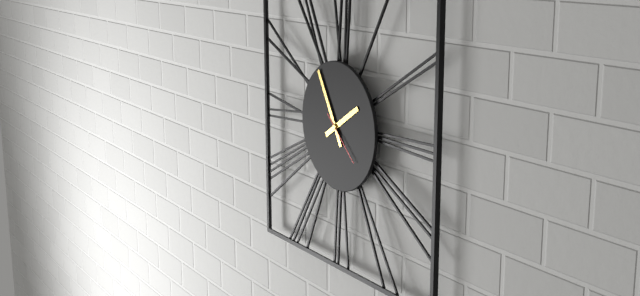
1:55:22
